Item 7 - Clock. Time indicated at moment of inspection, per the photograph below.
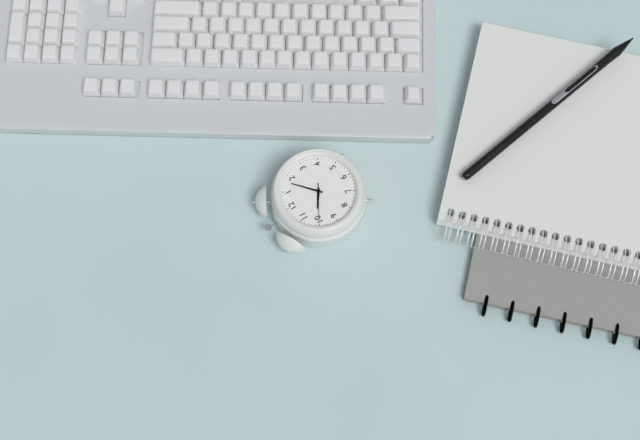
10:08
